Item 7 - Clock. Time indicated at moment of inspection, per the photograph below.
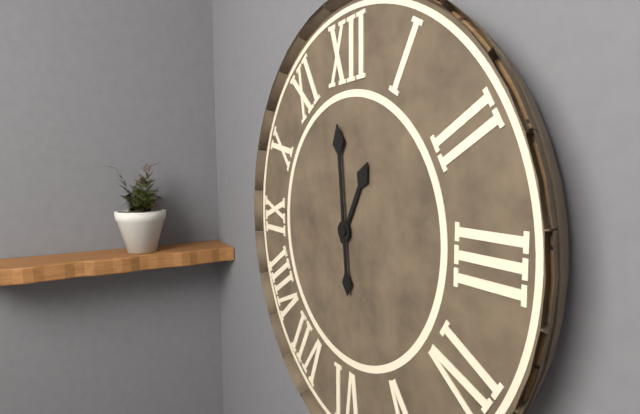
12:59
